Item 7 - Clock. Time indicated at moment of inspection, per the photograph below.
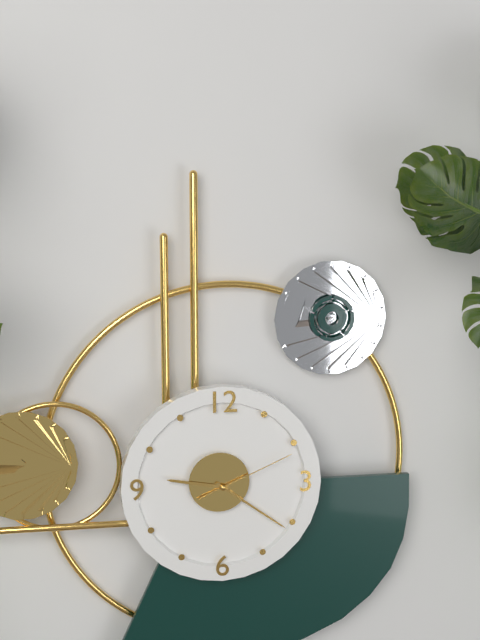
9:21:11
